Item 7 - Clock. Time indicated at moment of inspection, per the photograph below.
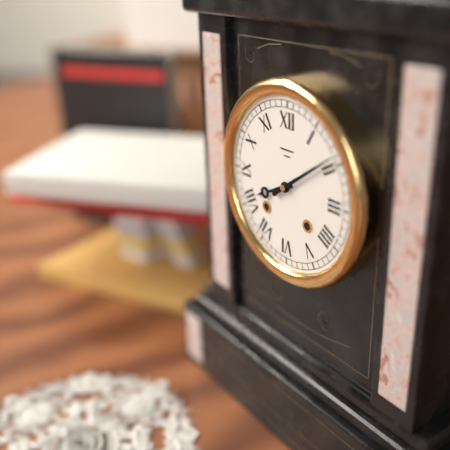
8:09
